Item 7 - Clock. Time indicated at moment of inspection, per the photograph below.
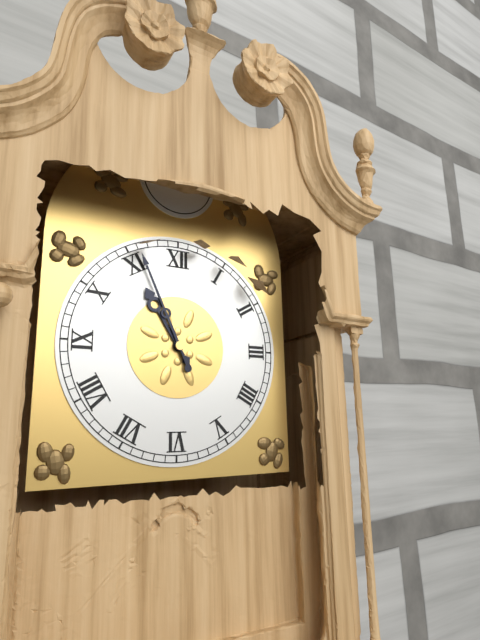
10:56
